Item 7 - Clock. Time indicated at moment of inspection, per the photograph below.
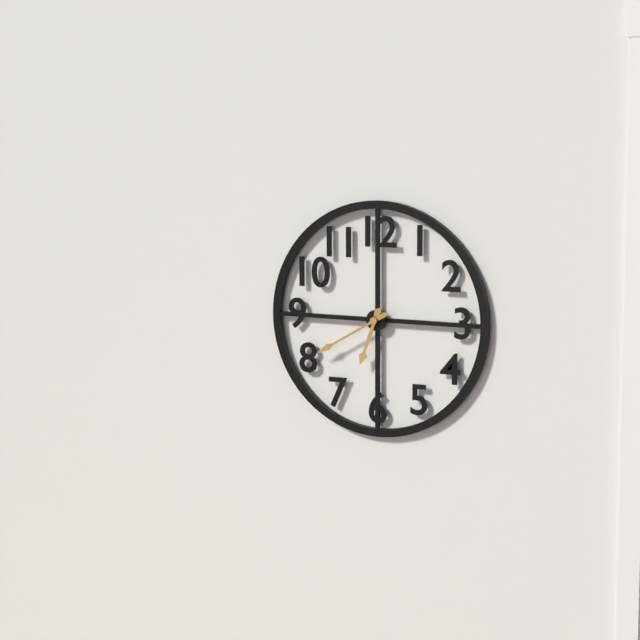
6:40
